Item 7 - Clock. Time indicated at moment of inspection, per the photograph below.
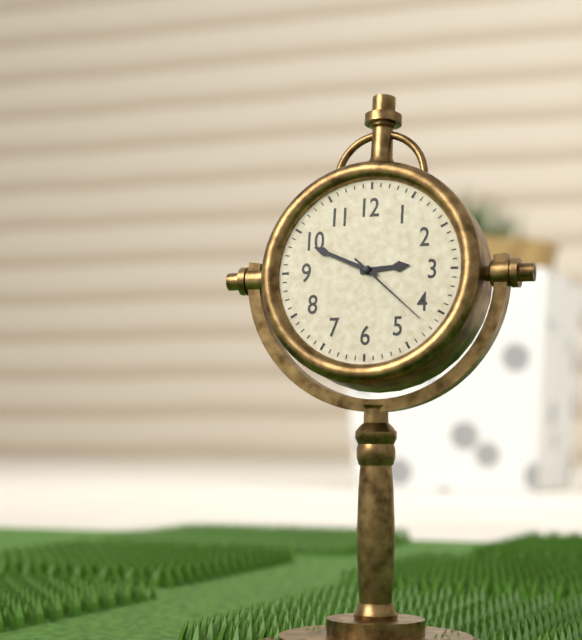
2:49:22
